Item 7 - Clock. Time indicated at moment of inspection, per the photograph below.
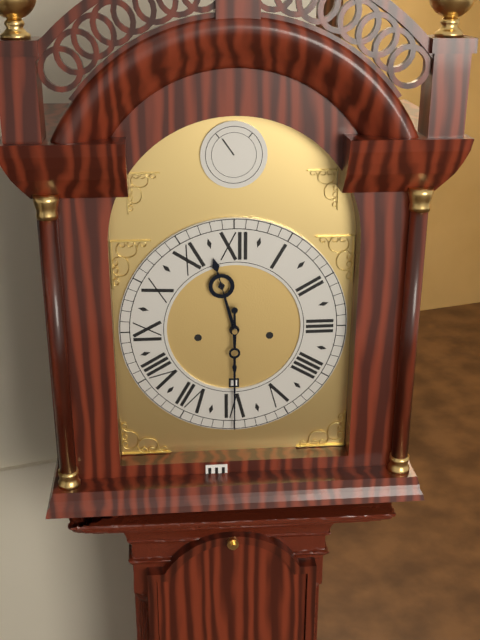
11:30
